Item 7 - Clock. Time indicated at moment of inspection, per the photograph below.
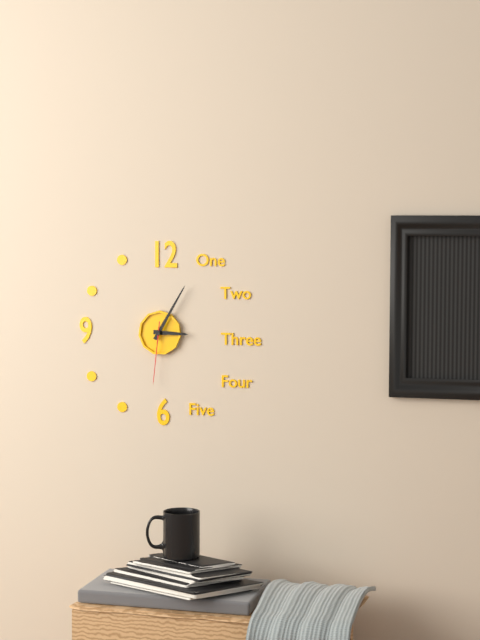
3:05:31
